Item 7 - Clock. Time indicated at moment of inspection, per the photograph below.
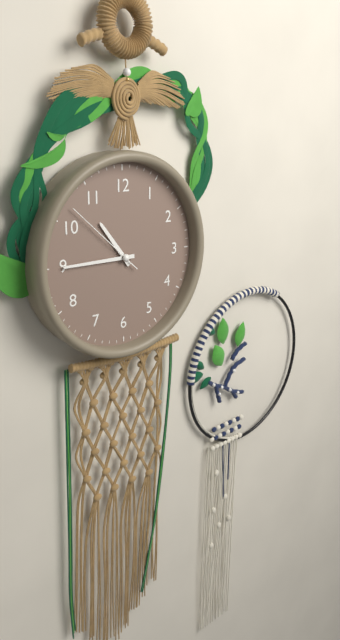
10:45:52
